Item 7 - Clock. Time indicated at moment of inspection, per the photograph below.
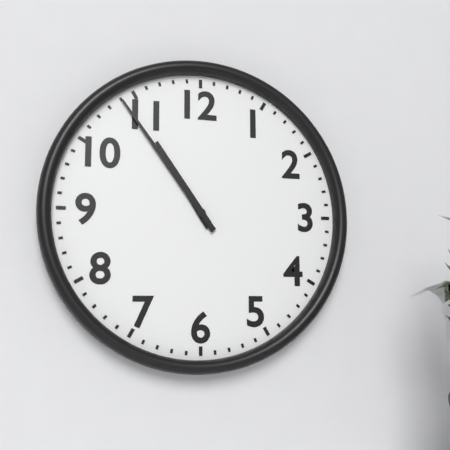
10:54
